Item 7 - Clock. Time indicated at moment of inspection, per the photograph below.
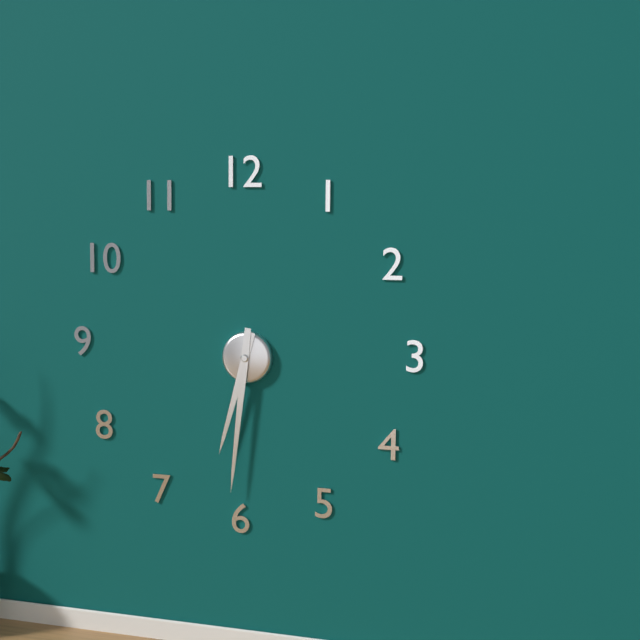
6:31
